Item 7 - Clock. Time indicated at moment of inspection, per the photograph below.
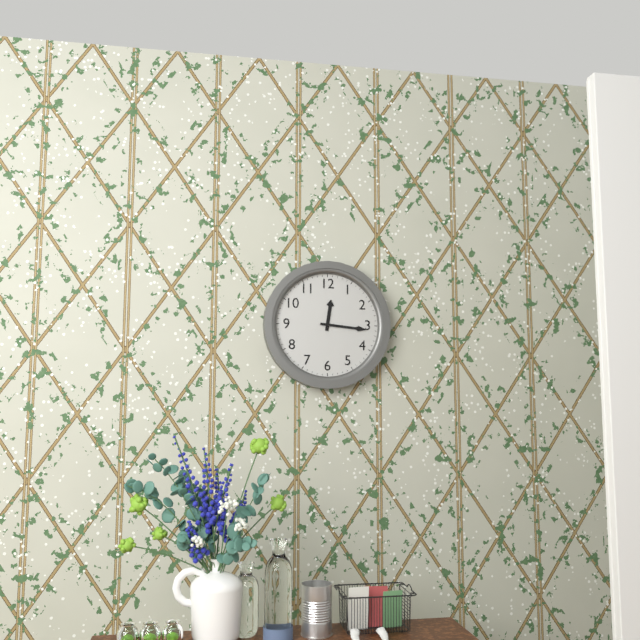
12:16
